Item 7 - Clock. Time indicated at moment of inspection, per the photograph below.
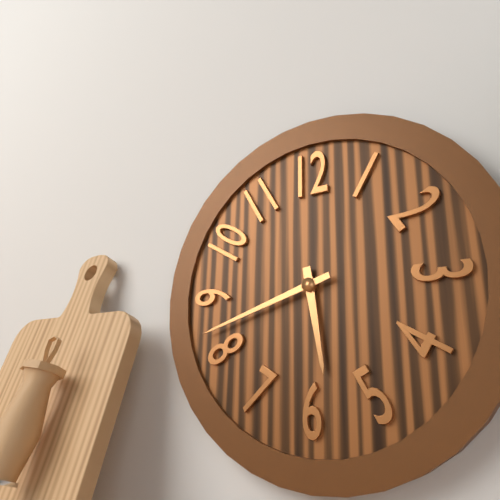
5:42
